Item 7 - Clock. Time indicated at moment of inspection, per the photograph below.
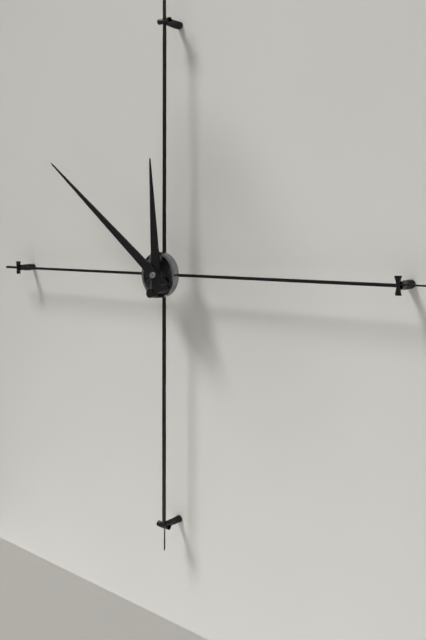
11:51
